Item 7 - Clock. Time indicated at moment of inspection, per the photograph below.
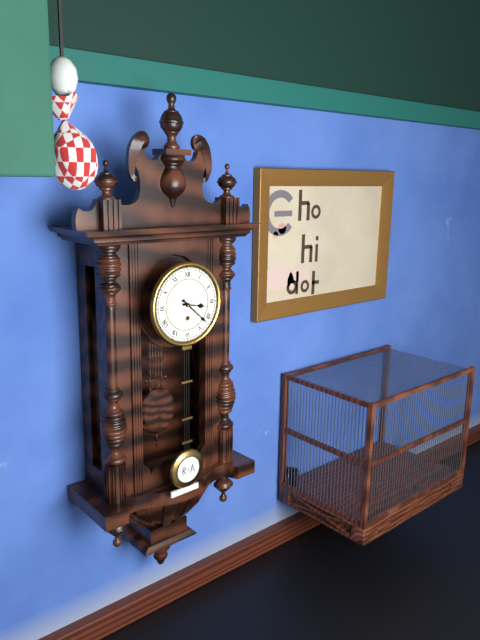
3:22
